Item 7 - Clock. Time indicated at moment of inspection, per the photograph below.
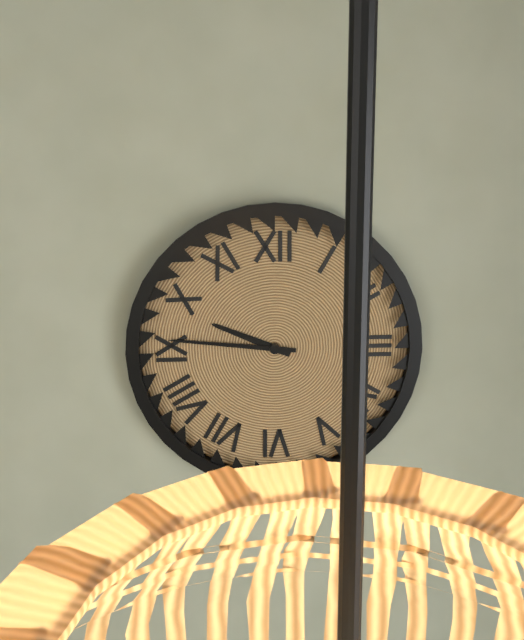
9:46
